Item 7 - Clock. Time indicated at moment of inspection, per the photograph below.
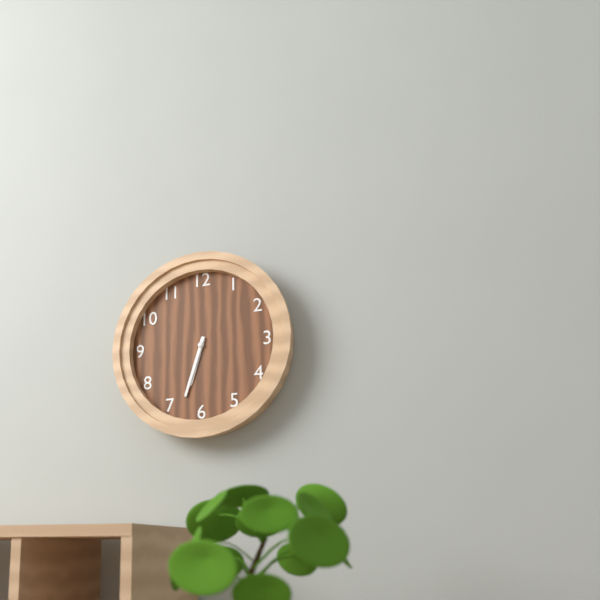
6:33
